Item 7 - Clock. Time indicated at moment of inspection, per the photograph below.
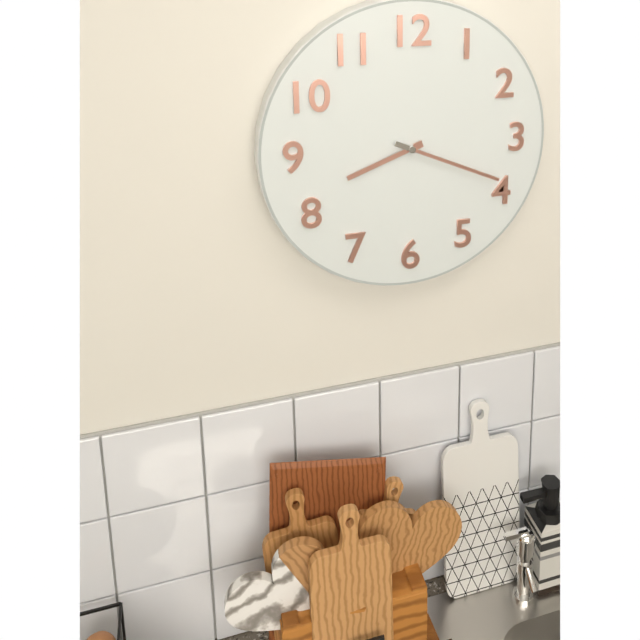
8:19
